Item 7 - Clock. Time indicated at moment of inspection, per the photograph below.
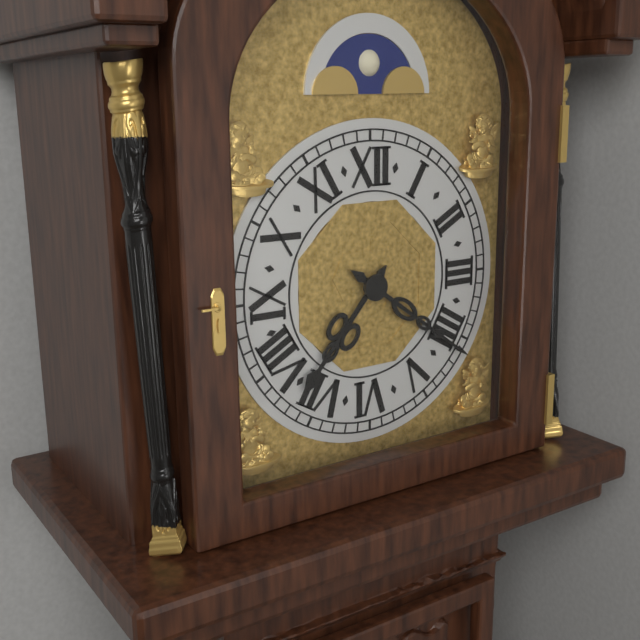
7:21
